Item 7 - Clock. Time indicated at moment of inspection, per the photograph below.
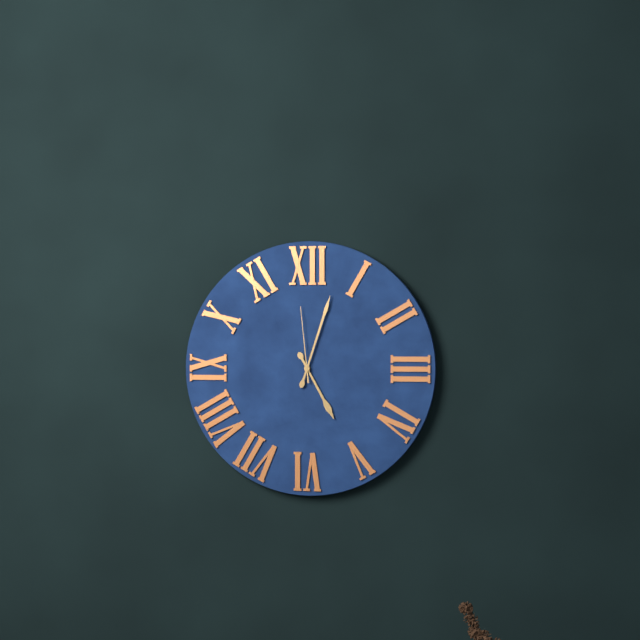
5:03:59
